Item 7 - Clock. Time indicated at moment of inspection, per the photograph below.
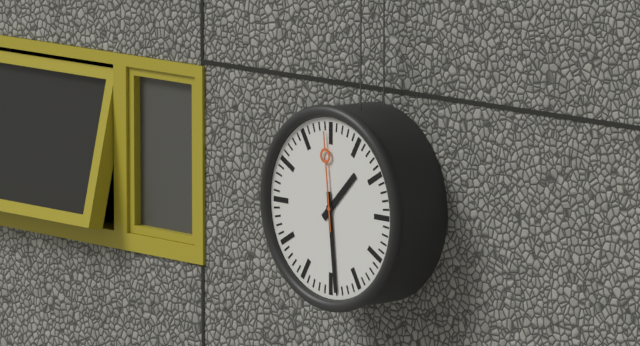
1:29:59
